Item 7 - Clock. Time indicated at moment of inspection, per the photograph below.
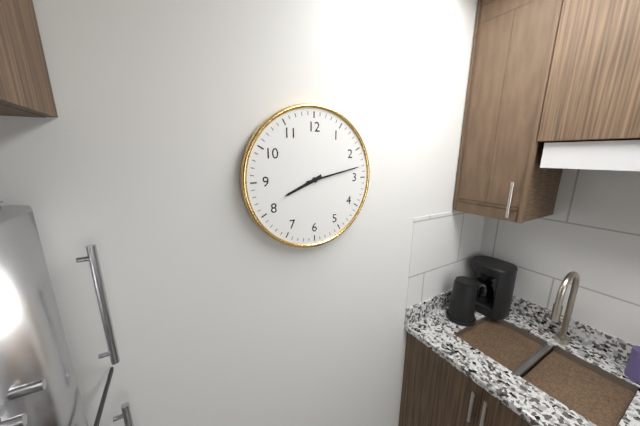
8:13
